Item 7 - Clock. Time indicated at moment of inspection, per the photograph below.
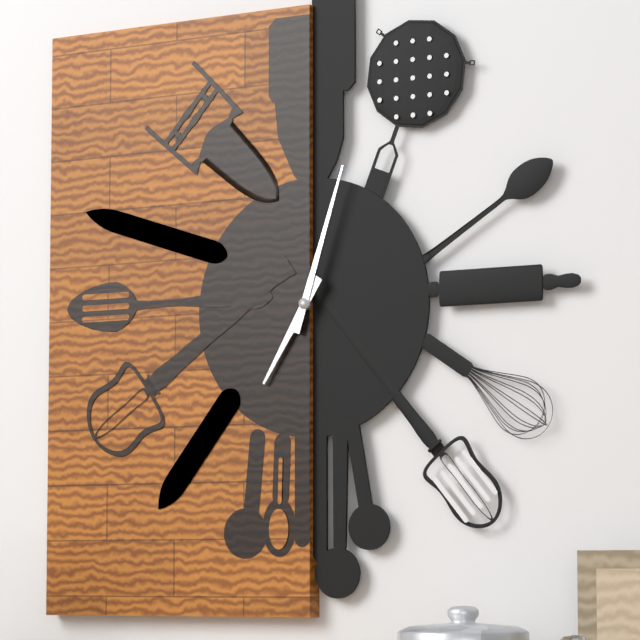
7:03
